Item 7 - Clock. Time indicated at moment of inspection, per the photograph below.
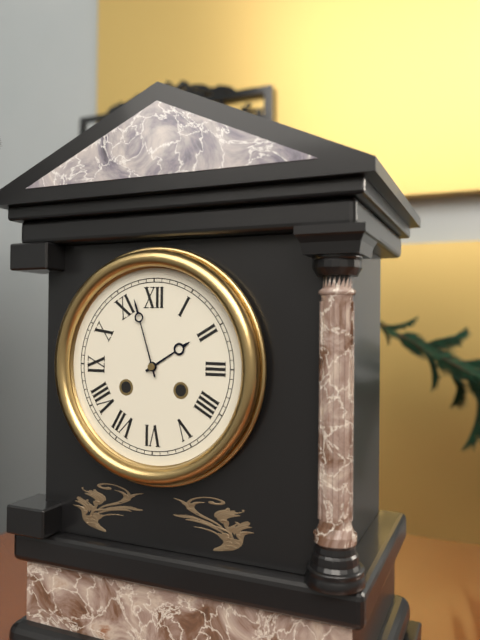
1:57
